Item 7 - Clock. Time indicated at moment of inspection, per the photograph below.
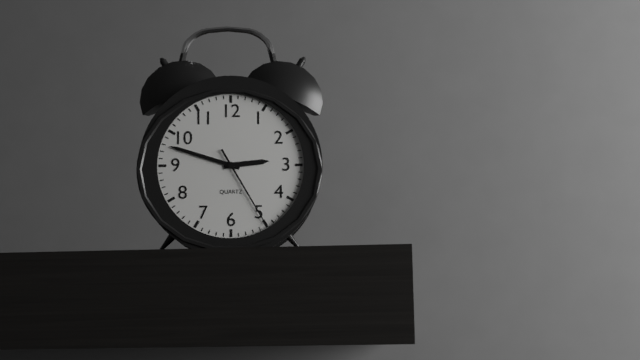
2:48:25
